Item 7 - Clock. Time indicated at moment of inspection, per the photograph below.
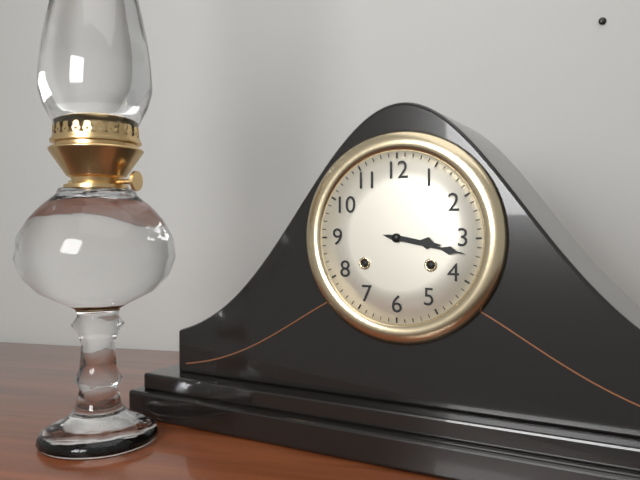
3:17
